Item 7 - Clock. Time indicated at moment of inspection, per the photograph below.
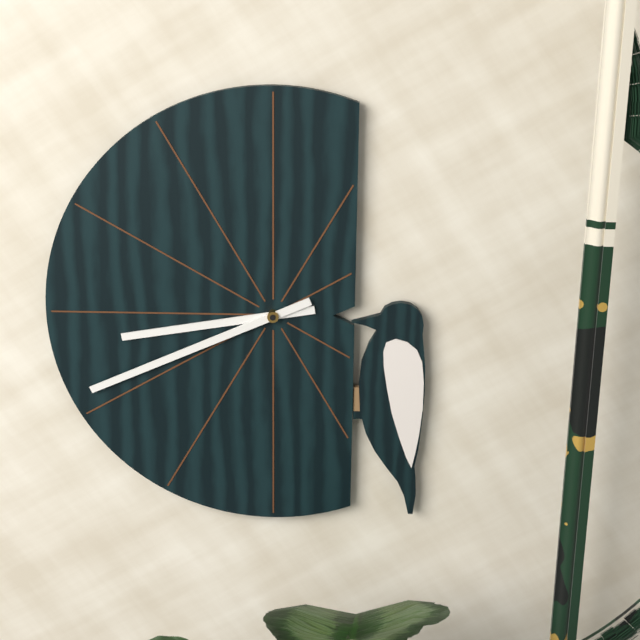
8:41
